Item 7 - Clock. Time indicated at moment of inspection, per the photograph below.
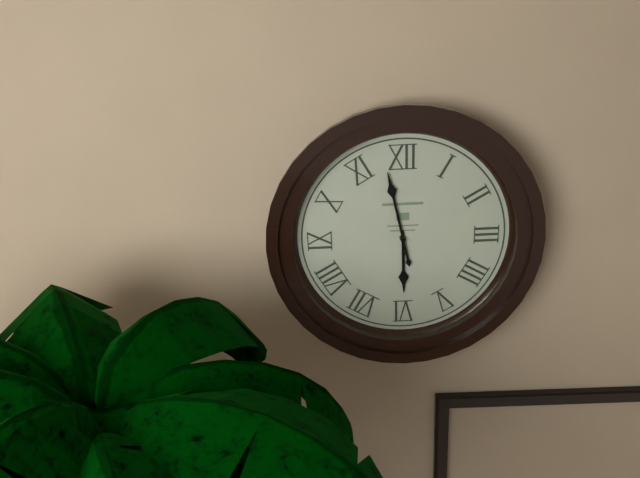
5:58
